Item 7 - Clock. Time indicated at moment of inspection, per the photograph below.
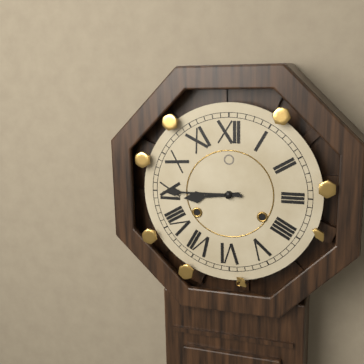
8:45
